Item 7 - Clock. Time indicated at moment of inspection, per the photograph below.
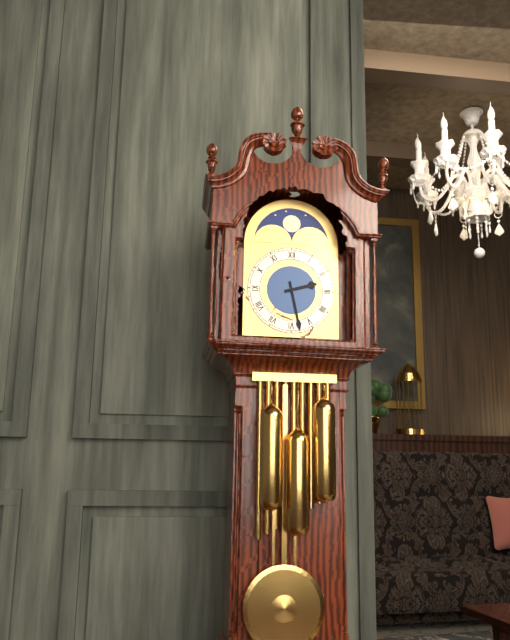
2:28
